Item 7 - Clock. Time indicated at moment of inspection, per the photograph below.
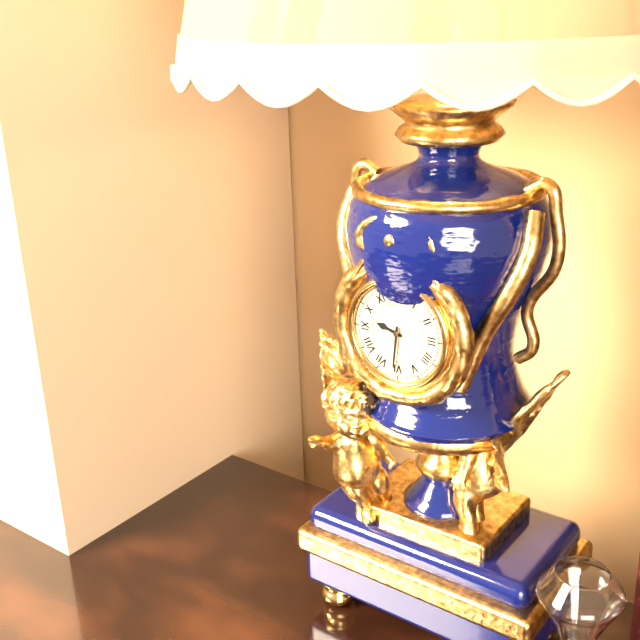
9:31
